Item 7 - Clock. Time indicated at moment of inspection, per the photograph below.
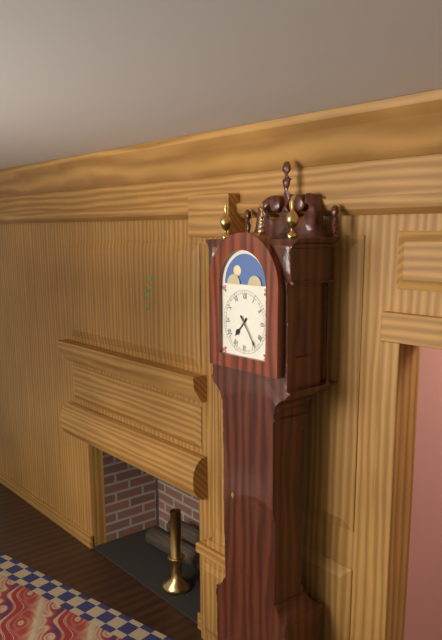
7:24
